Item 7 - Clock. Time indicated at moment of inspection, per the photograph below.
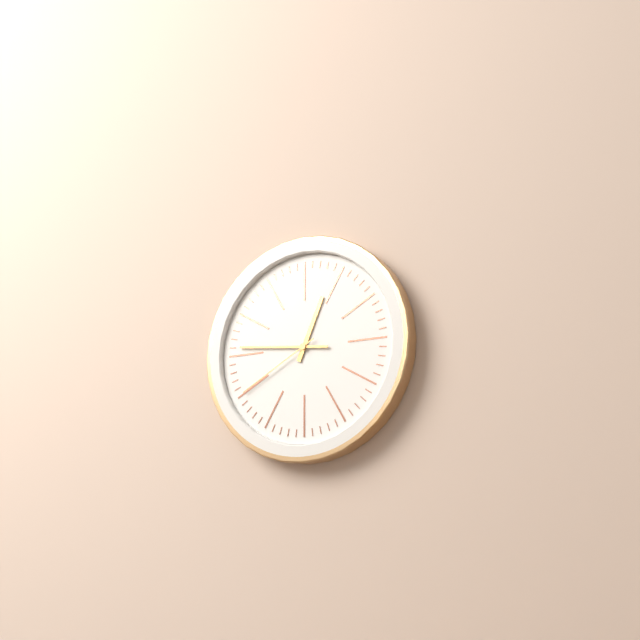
12:46:40
